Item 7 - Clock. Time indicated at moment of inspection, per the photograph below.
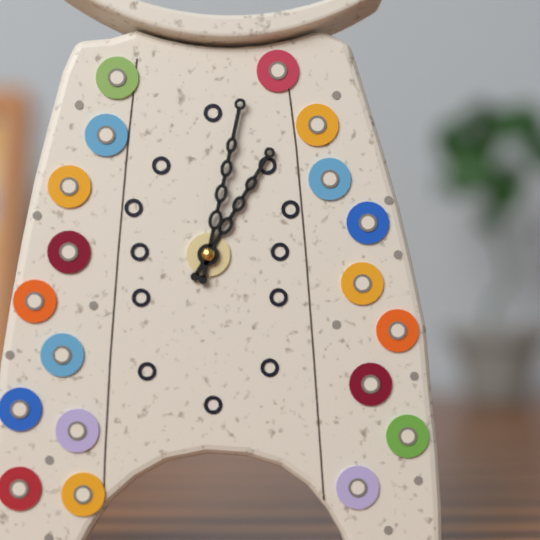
1:02
